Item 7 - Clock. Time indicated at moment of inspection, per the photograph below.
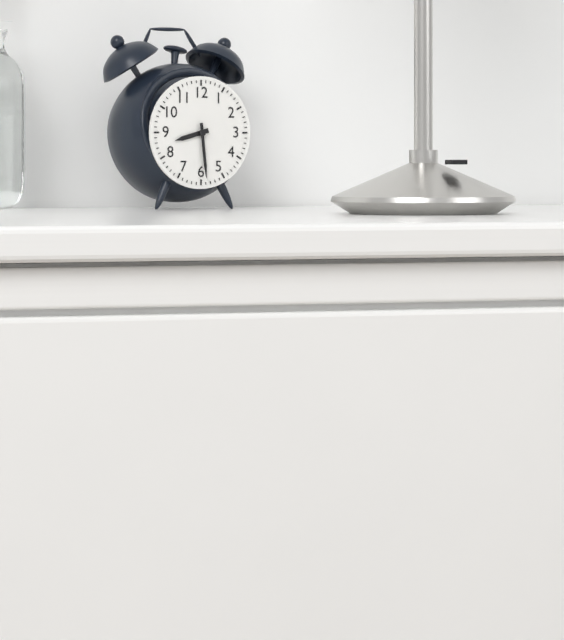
8:29
